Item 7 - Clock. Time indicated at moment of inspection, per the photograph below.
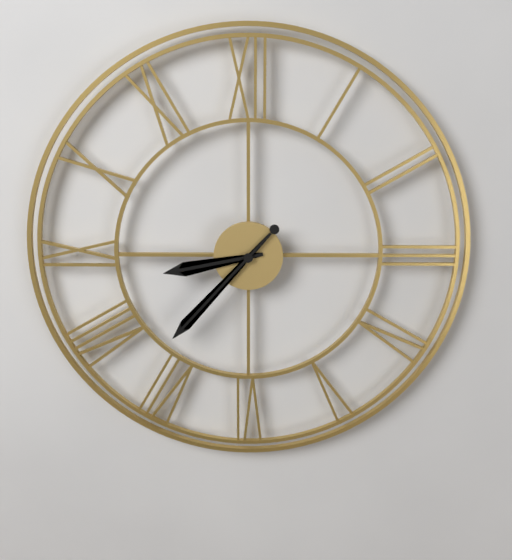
8:37
